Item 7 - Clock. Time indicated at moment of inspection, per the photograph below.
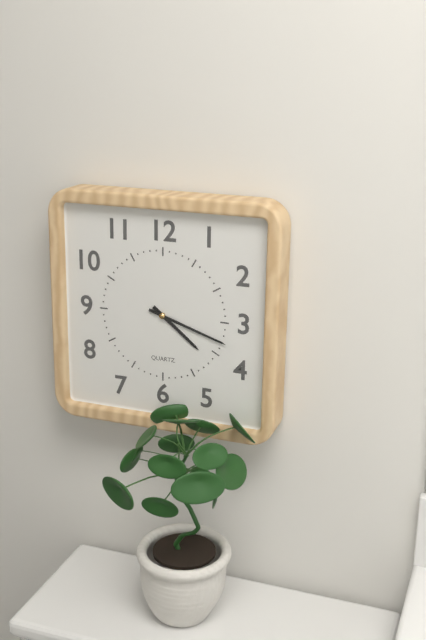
4:18
